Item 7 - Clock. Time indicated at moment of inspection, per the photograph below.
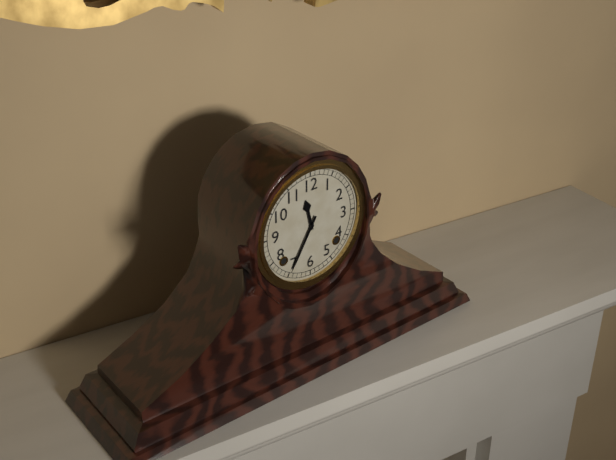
11:35
